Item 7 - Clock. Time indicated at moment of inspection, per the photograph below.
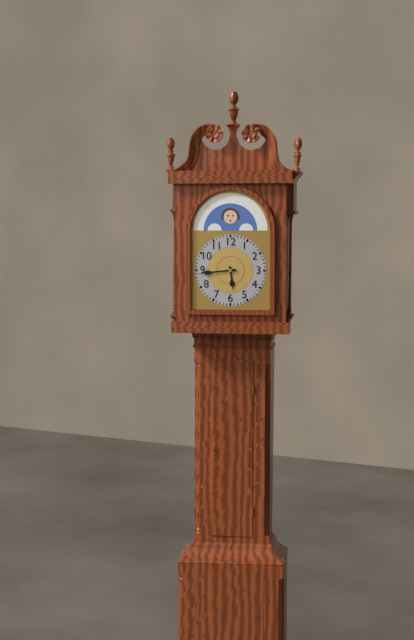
5:44
